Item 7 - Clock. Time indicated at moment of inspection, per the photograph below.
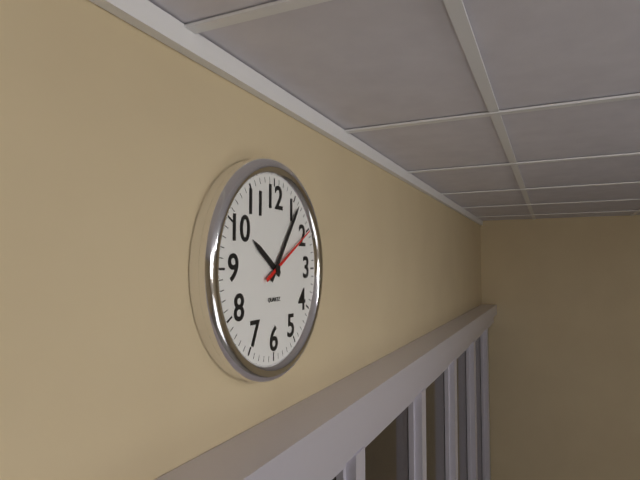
10:06:10
